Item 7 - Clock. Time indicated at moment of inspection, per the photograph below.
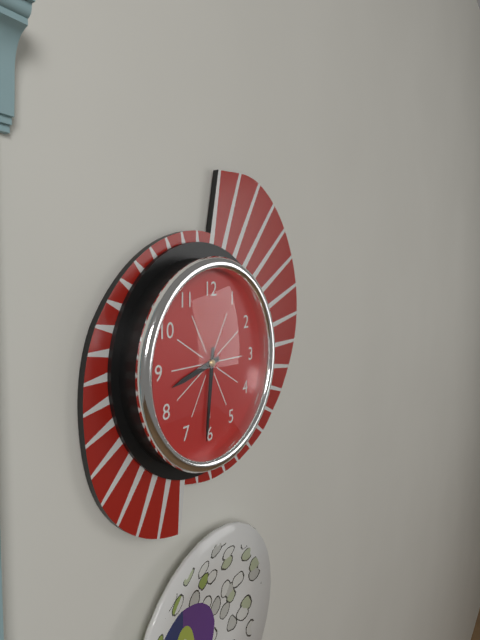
8:31
